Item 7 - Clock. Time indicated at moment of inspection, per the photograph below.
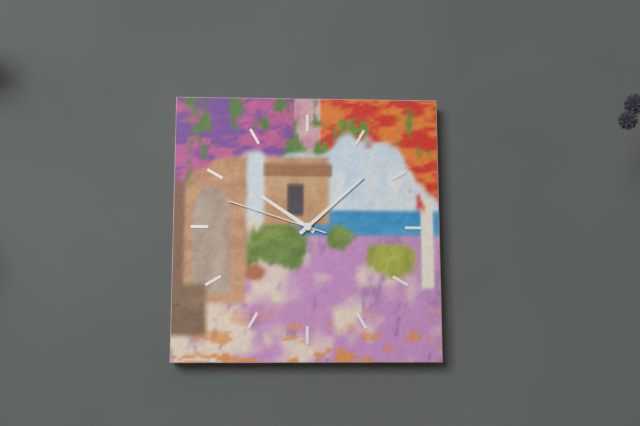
10:08:48
